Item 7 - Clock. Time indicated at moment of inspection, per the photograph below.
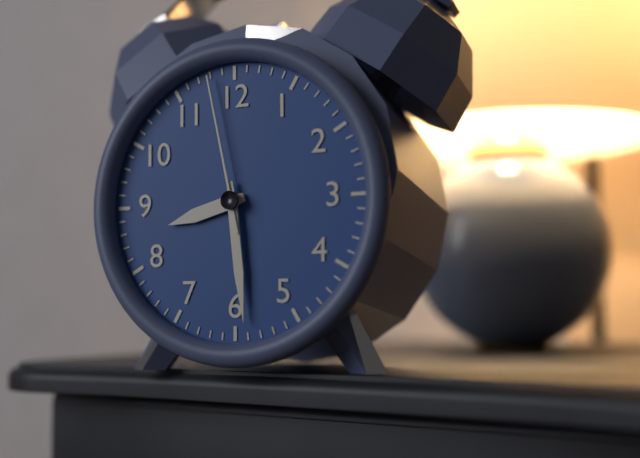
8:29:58
